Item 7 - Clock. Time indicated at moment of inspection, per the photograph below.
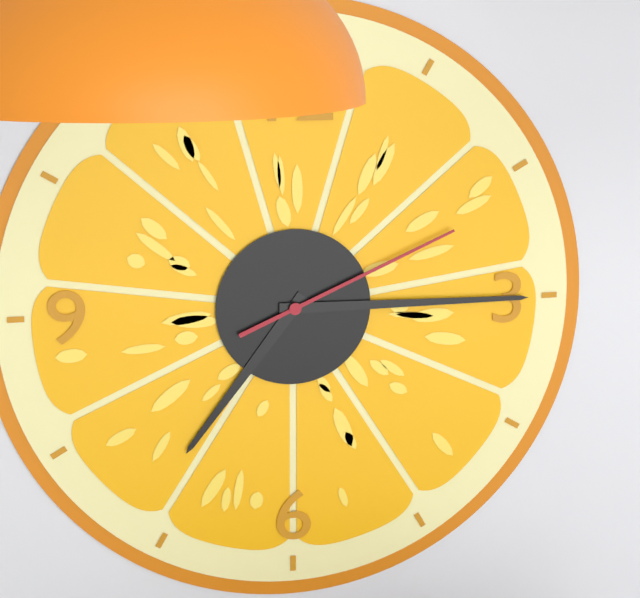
7:15:11
